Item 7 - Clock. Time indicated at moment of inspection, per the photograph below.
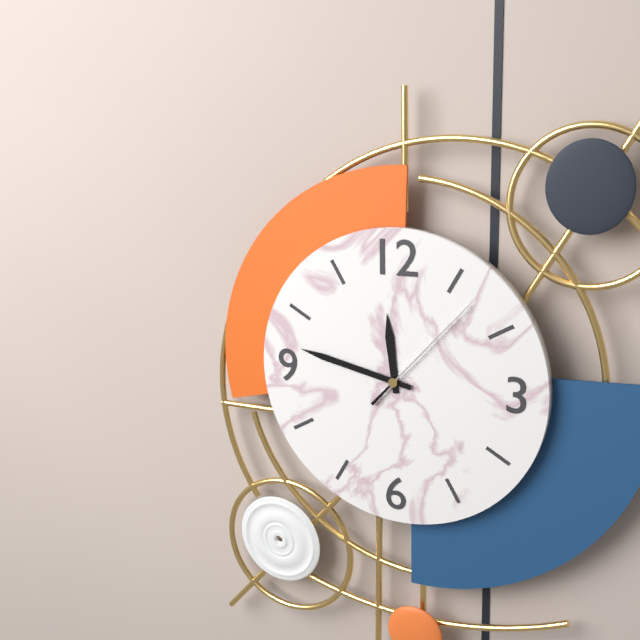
11:47:07
